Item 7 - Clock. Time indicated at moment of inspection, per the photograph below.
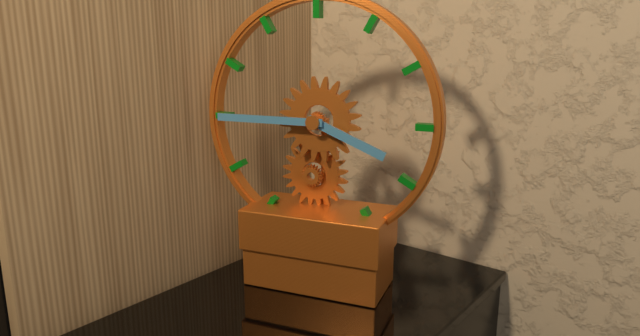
3:45
